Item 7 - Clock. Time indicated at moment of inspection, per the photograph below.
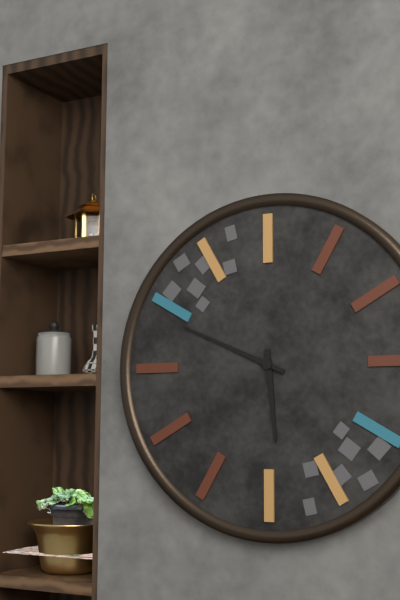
5:49
